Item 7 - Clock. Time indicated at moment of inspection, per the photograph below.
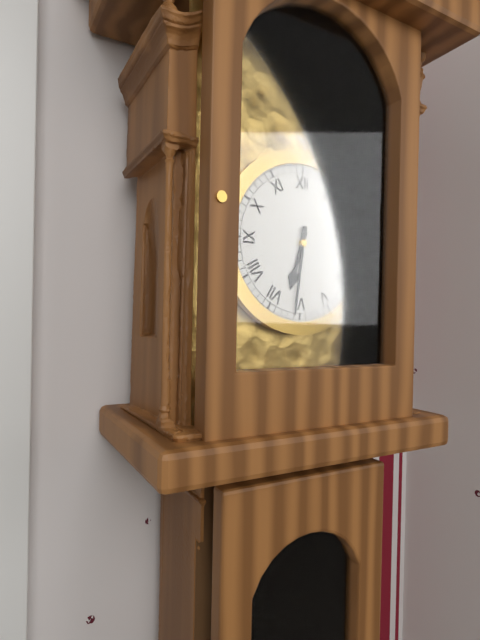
6:31
